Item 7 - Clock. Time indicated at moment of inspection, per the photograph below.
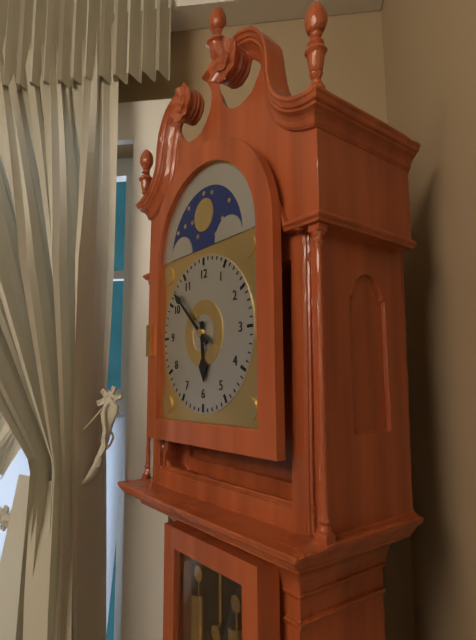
5:52
